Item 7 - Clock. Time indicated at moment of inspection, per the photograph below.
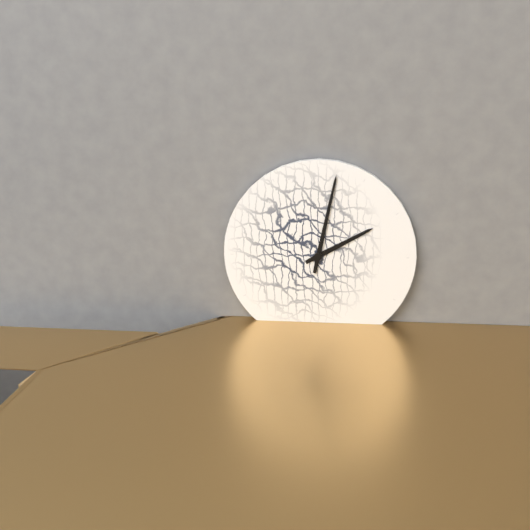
2:02
